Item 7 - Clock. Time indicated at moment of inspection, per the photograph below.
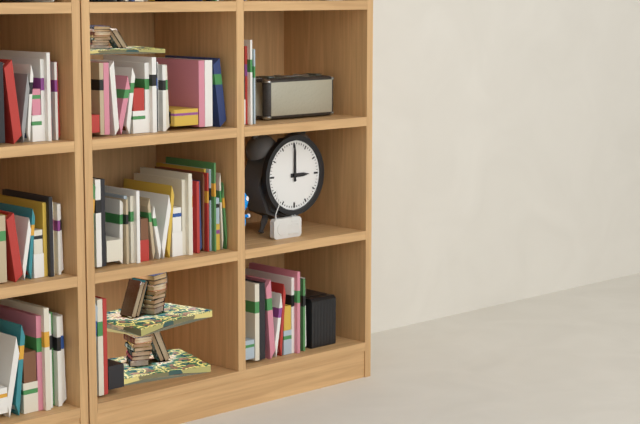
3:00
